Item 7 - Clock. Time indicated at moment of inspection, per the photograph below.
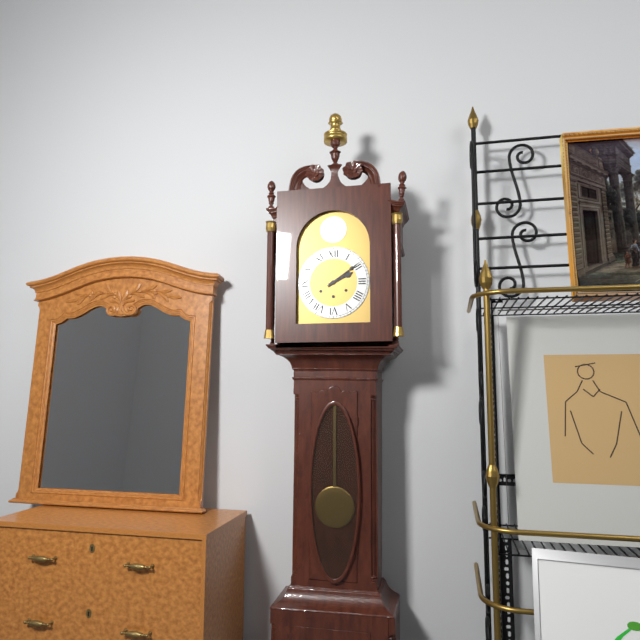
2:09
